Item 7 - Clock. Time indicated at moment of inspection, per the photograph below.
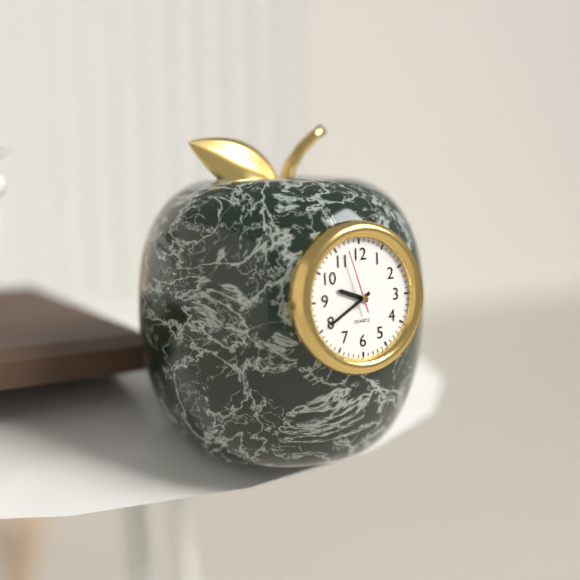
9:40:57
